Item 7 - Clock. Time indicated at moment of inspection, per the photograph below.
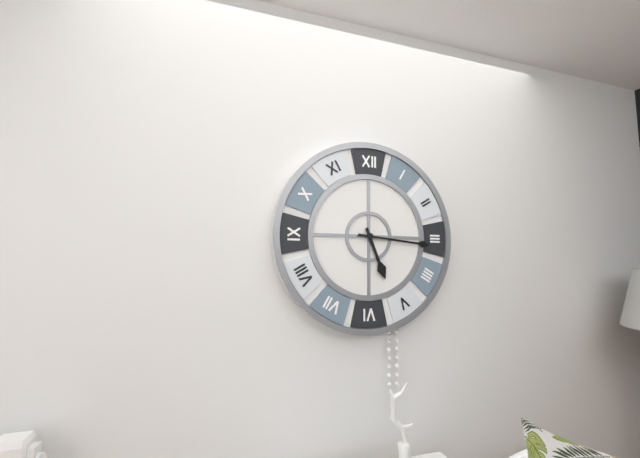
5:16
